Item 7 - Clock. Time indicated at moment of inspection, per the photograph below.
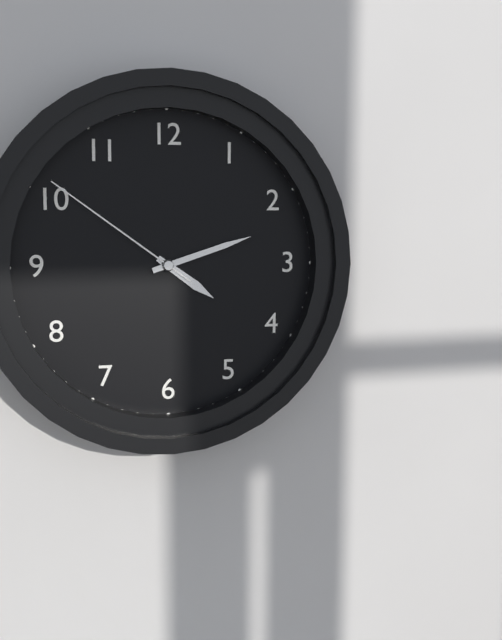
4:12:51
